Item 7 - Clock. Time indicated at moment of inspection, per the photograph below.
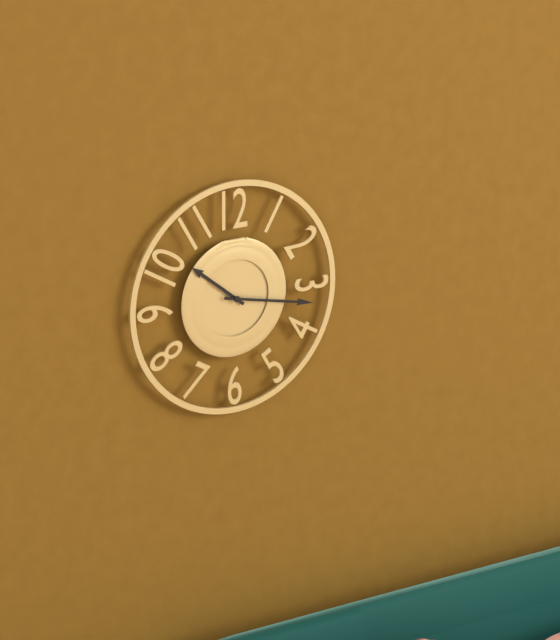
10:17
